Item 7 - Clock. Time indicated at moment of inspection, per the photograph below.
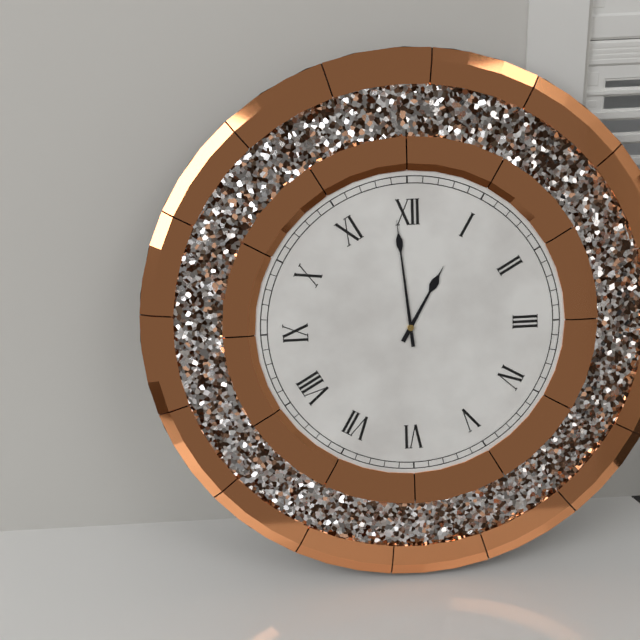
12:59
